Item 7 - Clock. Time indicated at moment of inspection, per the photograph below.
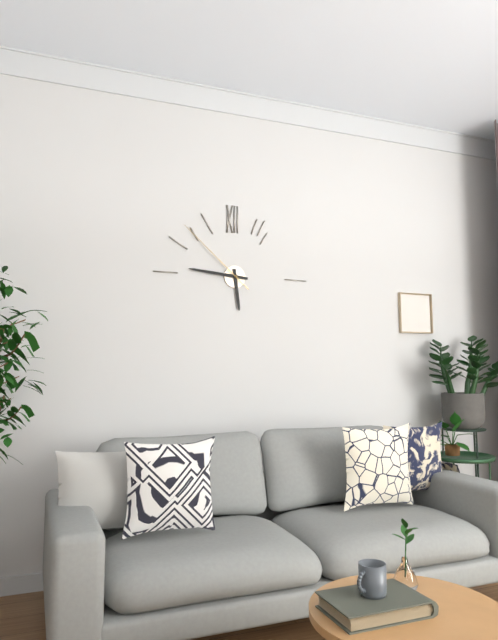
5:46:52
